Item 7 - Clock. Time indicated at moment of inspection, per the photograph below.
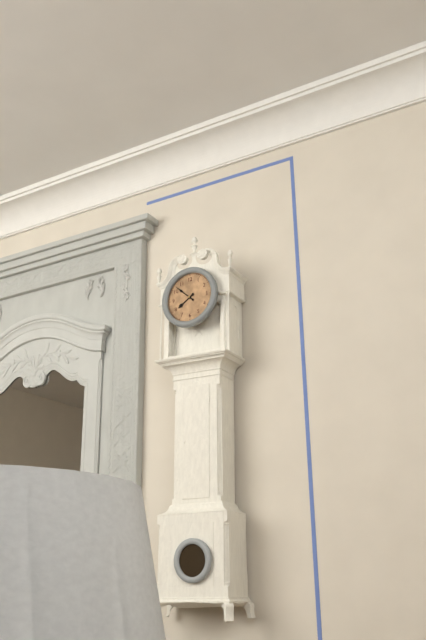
7:52
